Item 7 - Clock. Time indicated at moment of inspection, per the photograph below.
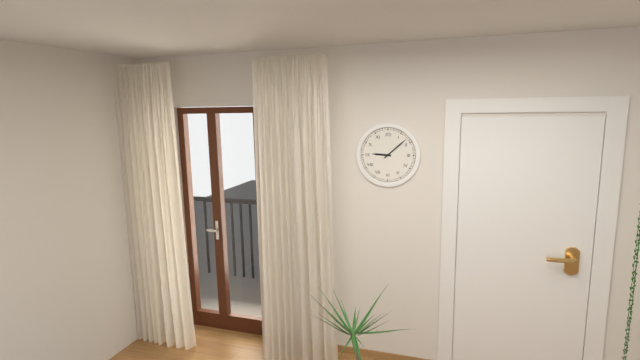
9:08
